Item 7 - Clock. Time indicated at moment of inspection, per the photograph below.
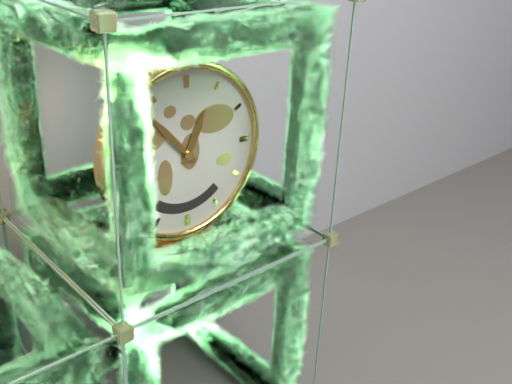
12:53
